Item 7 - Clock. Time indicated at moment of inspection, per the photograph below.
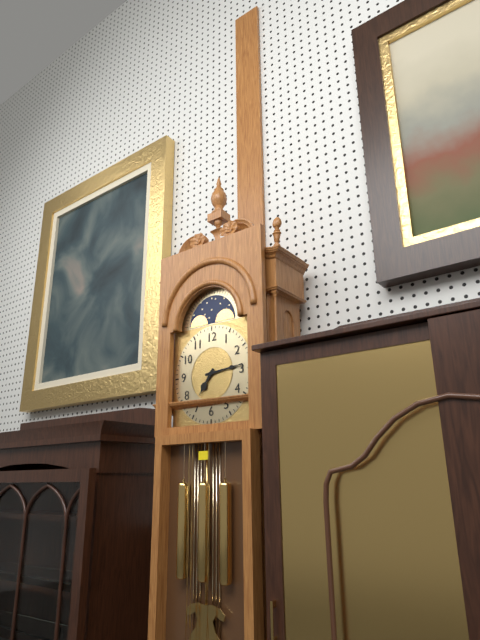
7:14
